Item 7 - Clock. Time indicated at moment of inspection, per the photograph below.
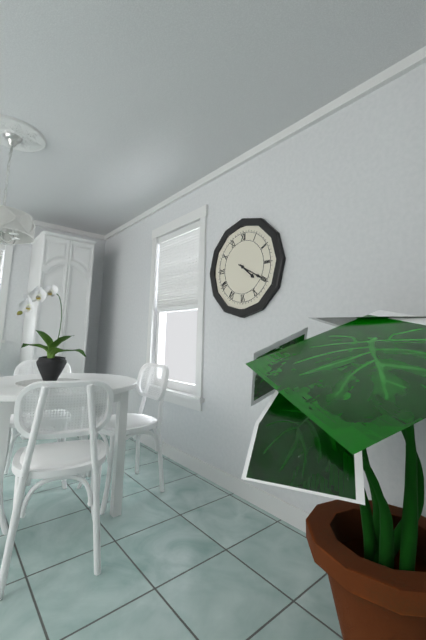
4:20
